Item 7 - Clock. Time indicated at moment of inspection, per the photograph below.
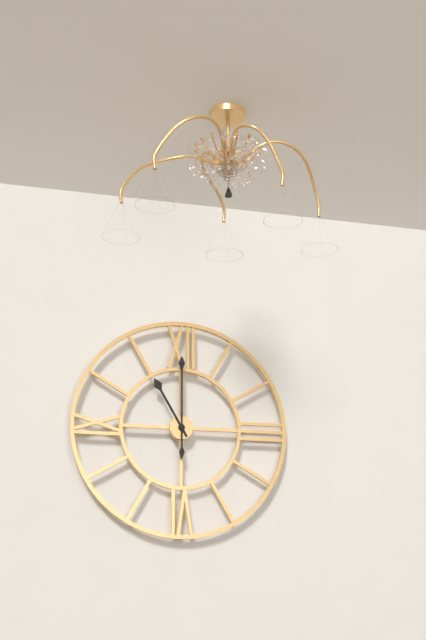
11:00
